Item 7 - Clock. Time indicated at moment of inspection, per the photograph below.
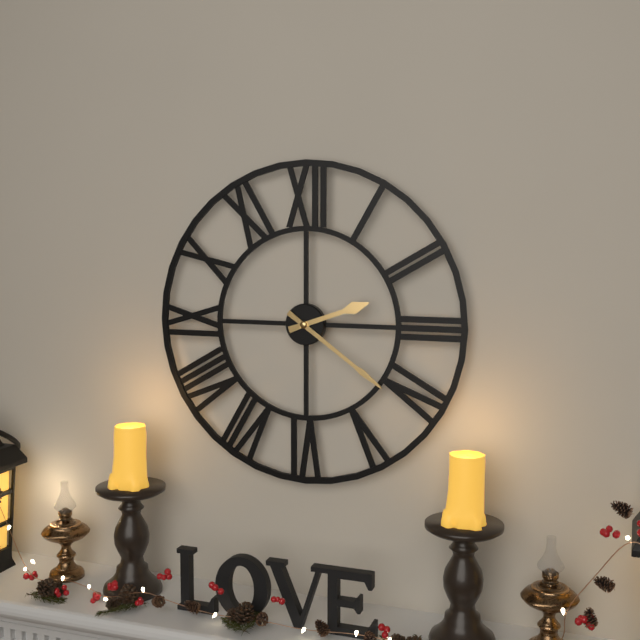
2:21
